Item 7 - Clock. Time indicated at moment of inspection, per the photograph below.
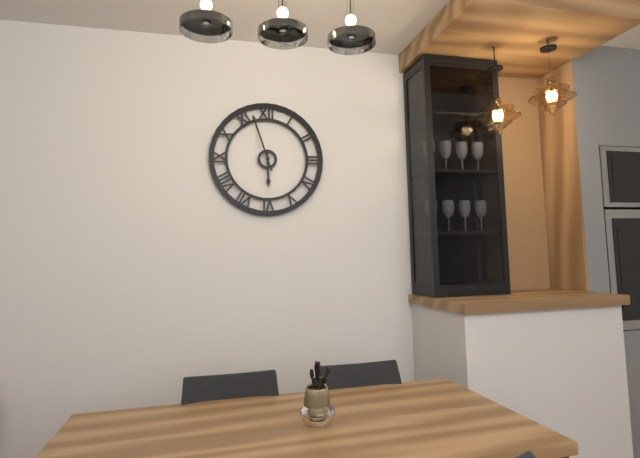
5:57
